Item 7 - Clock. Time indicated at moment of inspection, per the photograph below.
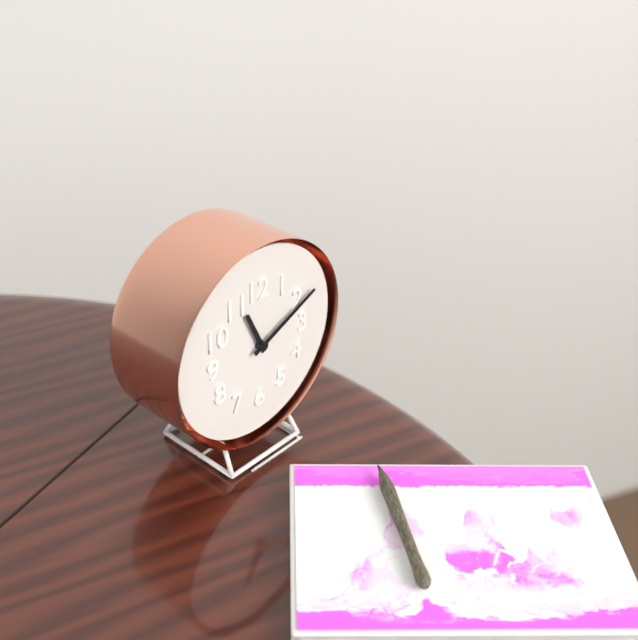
11:11
